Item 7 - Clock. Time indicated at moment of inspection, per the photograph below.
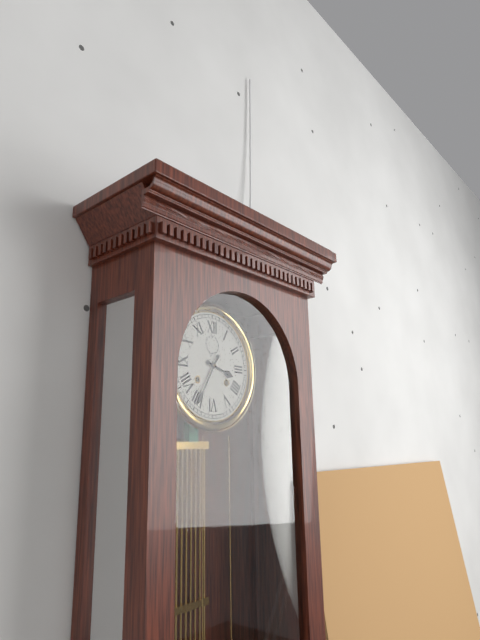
3:35
